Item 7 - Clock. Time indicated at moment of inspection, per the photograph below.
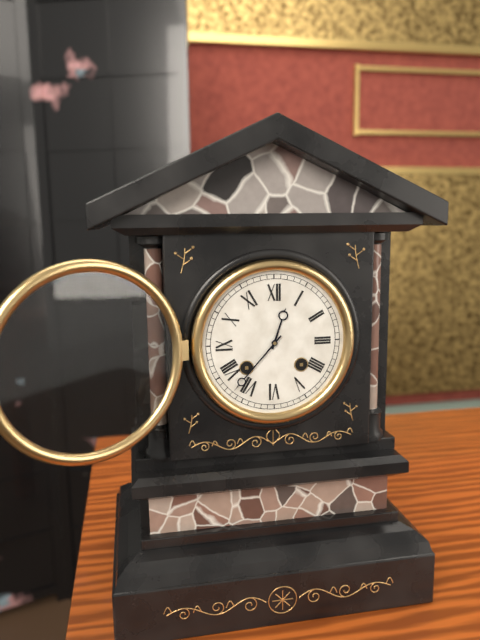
12:37
